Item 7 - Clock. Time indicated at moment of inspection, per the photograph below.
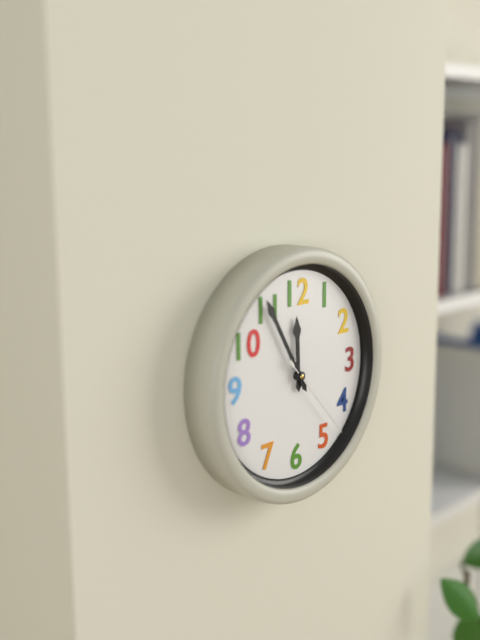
11:55:23
